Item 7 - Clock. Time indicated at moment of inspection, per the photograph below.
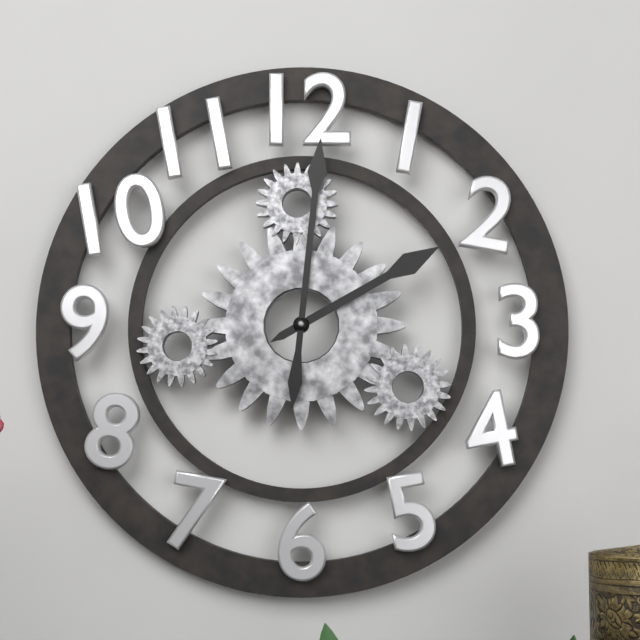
2:01
